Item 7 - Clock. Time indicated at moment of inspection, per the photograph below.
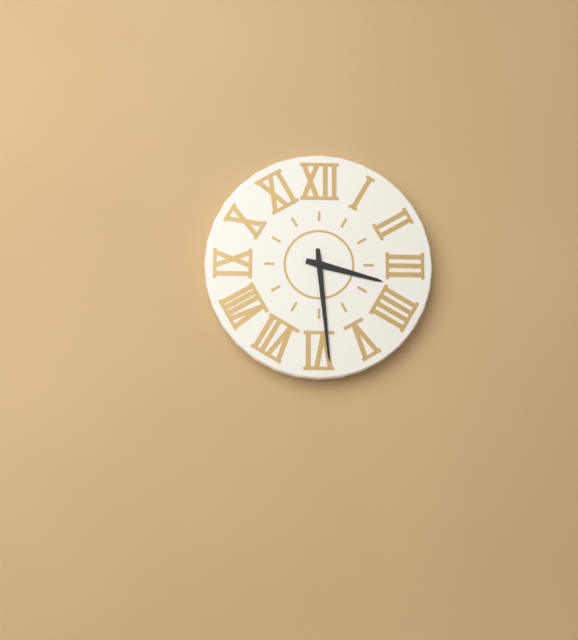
3:29
